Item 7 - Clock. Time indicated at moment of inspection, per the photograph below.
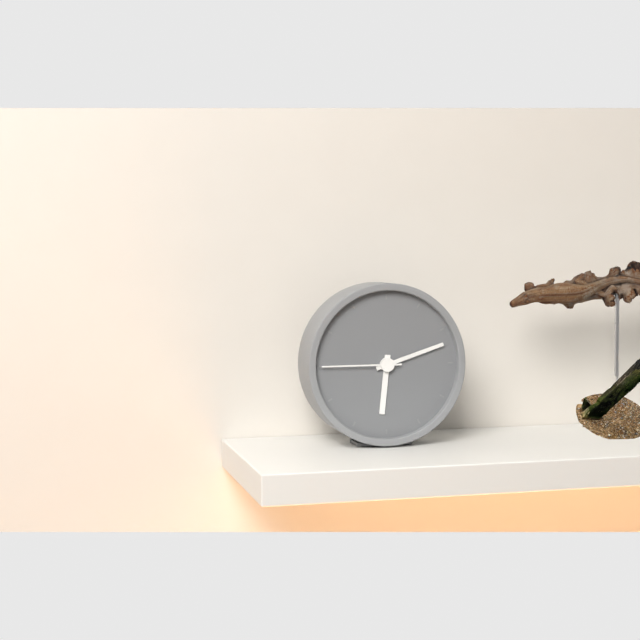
6:12:45
